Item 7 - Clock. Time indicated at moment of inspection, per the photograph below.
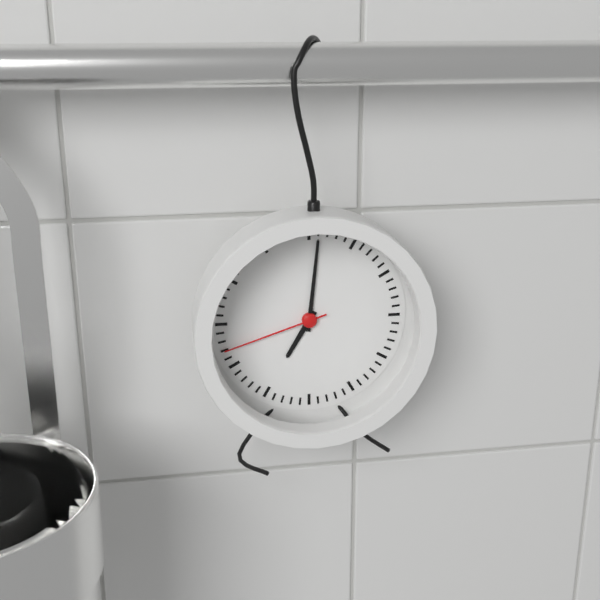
7:01:42
